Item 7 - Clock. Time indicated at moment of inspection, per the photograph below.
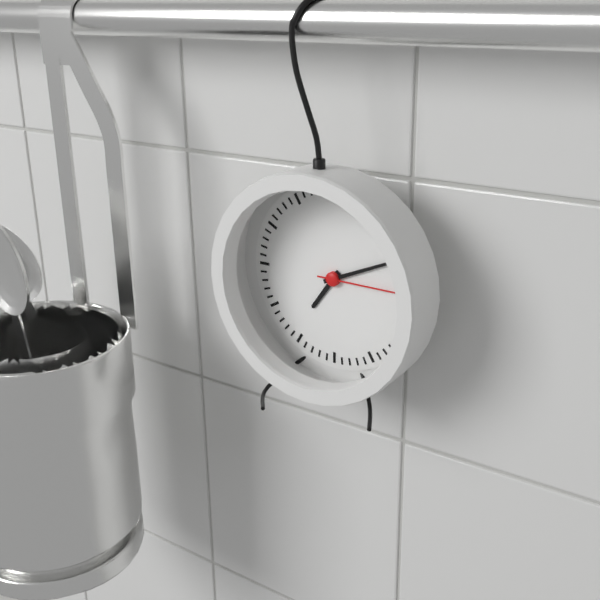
7:11:15
